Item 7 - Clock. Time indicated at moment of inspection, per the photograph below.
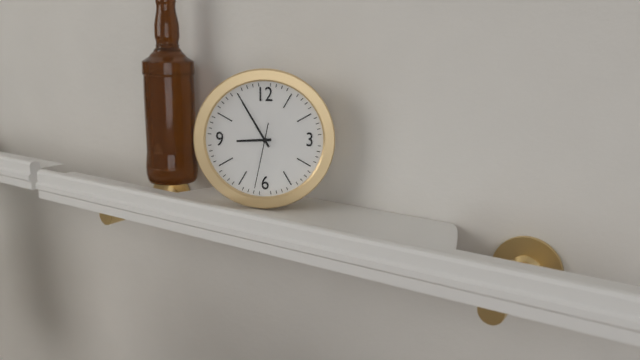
8:55:32
